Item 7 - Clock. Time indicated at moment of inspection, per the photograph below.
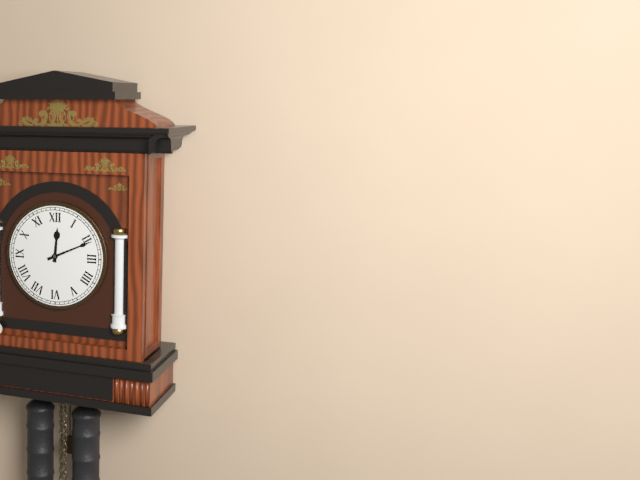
12:11
